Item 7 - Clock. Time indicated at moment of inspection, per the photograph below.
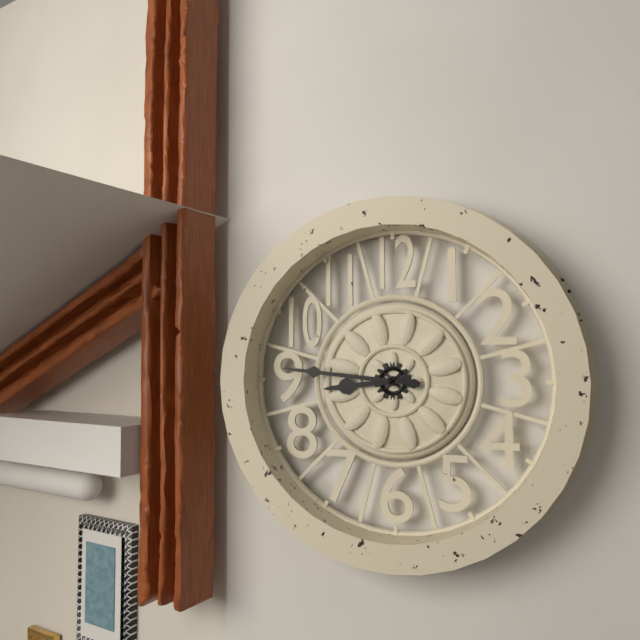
8:46
